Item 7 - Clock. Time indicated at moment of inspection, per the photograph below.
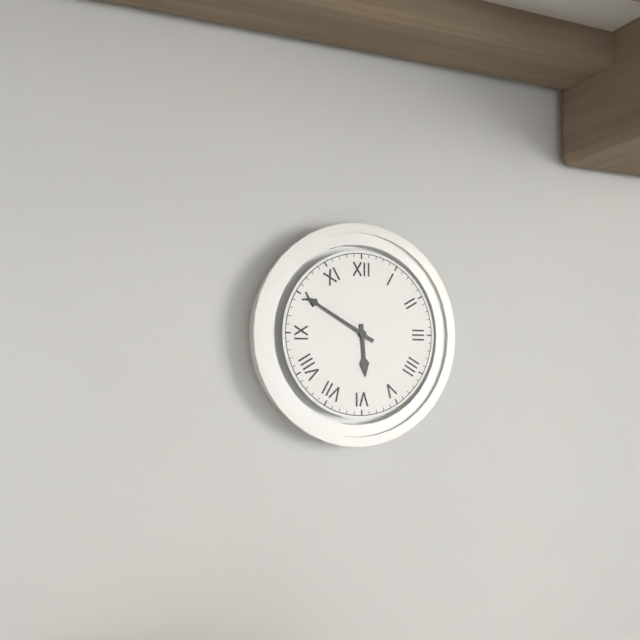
5:50
